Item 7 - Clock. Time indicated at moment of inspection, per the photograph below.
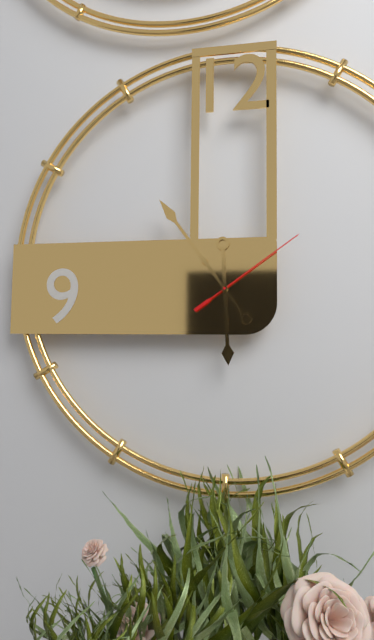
5:54:09
